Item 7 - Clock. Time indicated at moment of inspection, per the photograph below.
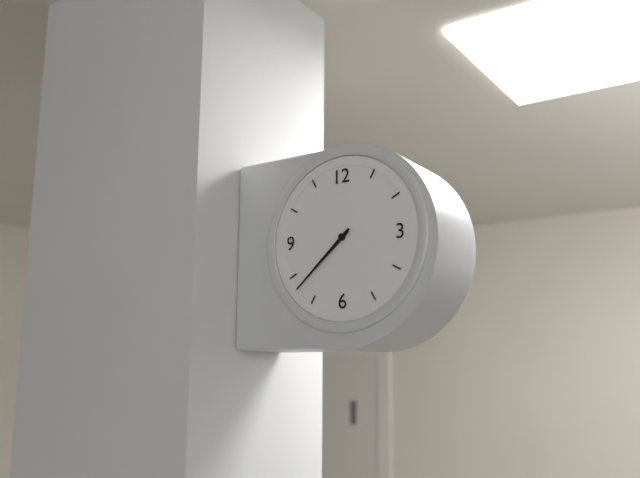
7:38
